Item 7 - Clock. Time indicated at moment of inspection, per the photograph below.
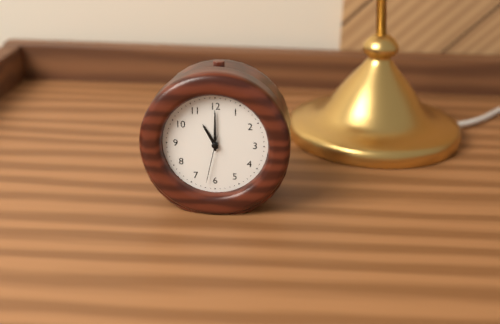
11:00:32
